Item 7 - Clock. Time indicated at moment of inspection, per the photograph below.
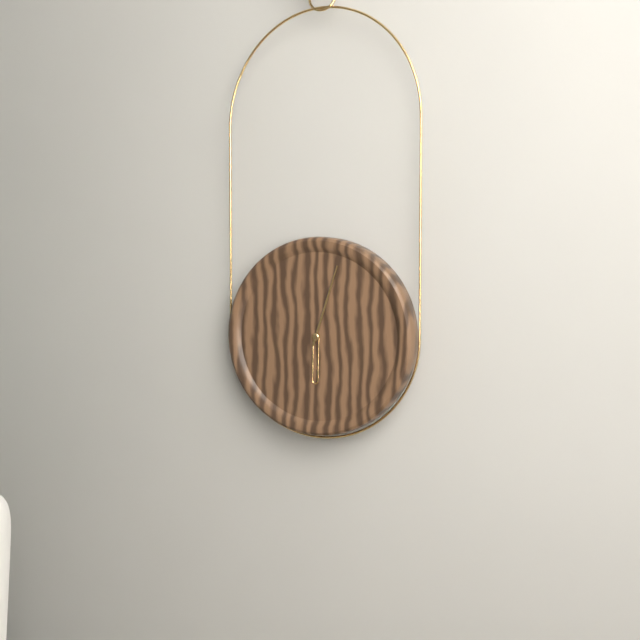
6:03
